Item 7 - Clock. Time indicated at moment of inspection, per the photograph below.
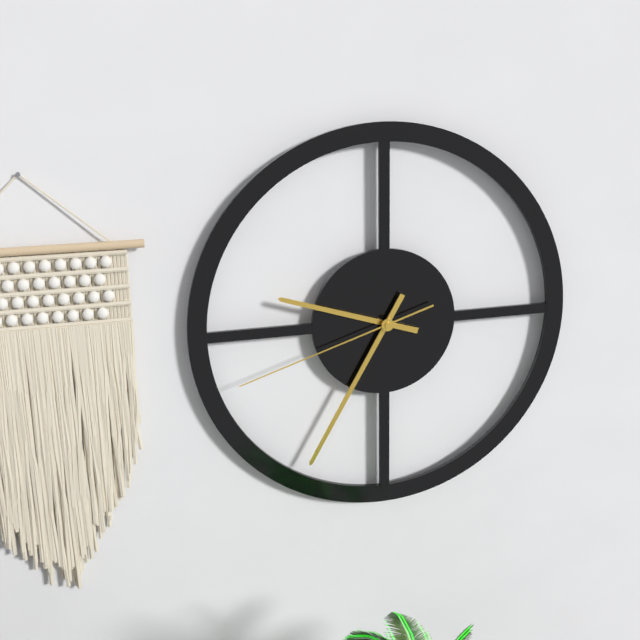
9:35:42
